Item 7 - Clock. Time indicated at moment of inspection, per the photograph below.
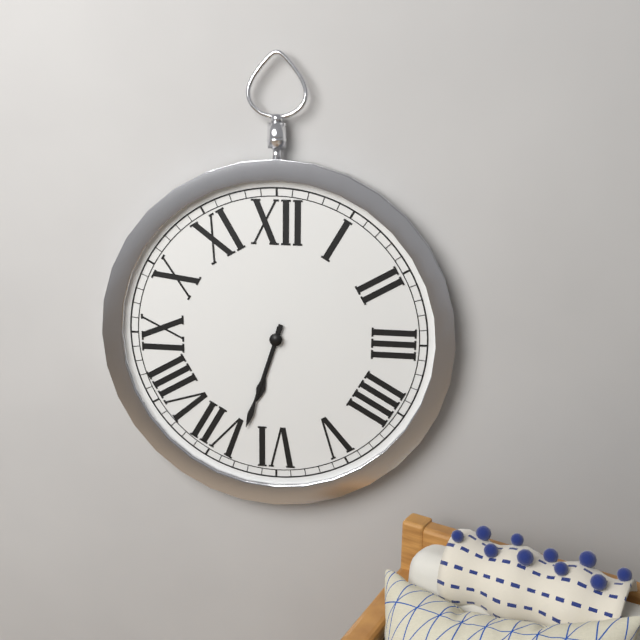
6:33
